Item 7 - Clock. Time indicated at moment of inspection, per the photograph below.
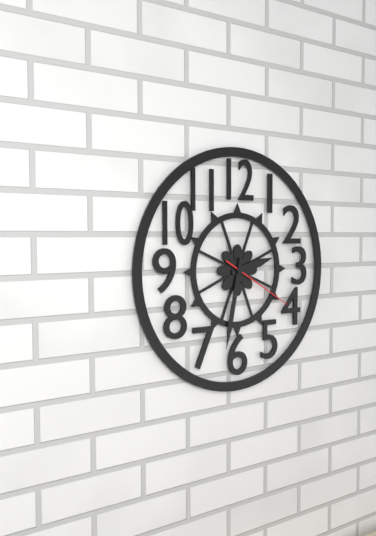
2:32:20
